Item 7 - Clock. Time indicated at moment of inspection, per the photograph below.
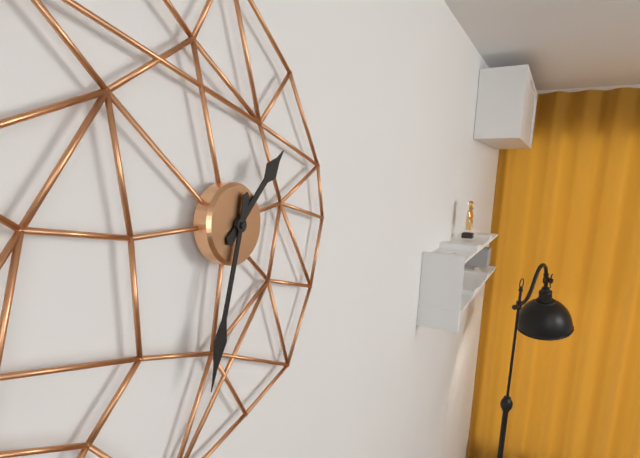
1:33
